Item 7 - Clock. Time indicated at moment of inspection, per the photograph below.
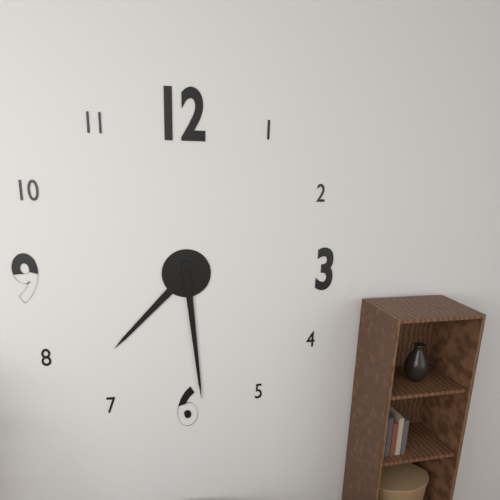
7:29
